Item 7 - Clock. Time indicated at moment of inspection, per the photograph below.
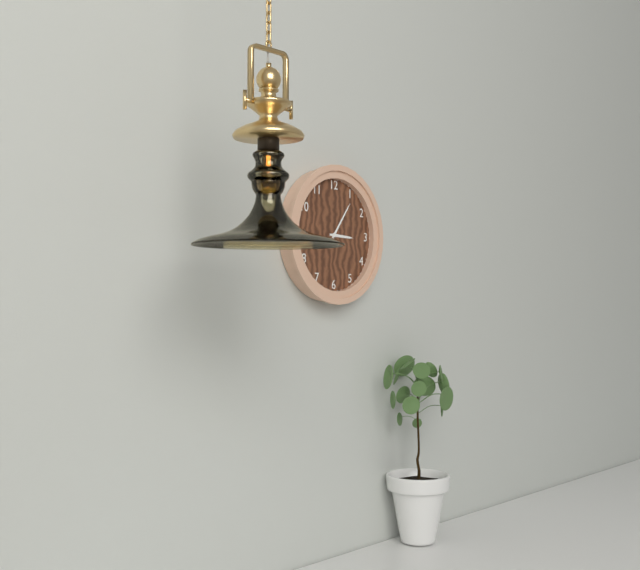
3:06
